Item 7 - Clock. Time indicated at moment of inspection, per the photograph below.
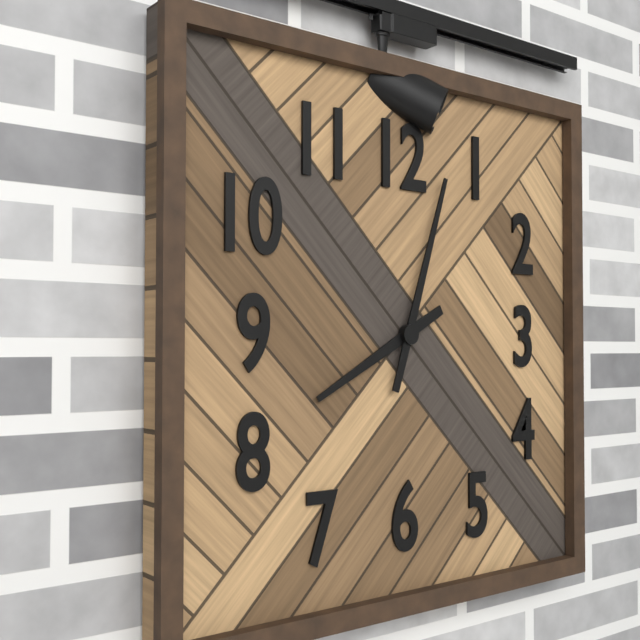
8:03
